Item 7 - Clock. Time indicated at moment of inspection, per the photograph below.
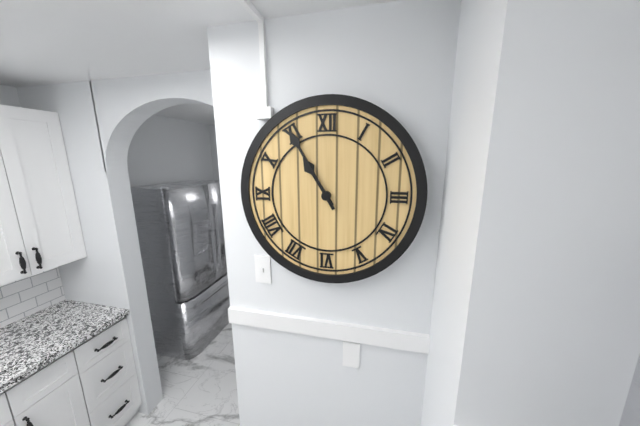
10:55
